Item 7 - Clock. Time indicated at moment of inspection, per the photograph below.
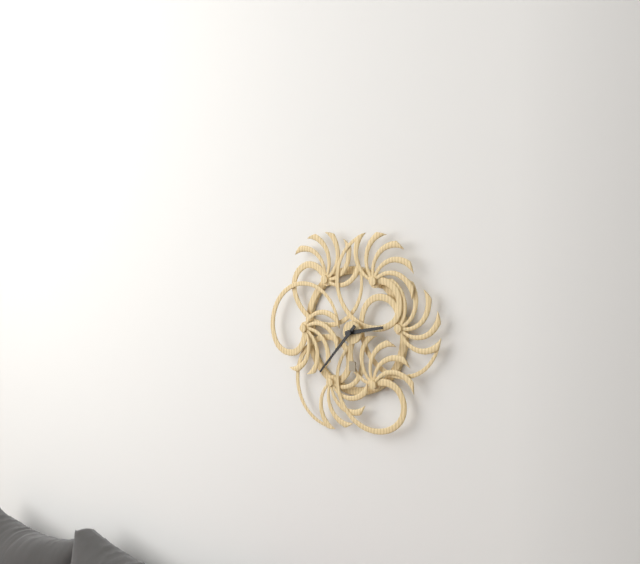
2:37
